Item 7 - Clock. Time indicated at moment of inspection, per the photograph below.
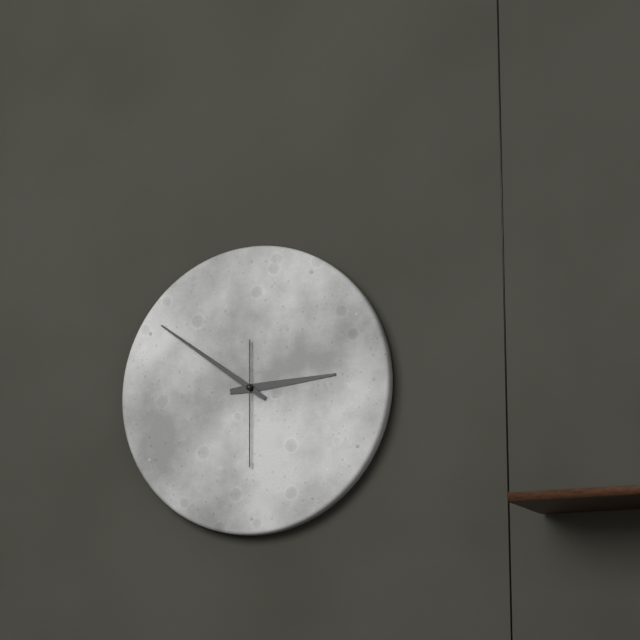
2:51:30
